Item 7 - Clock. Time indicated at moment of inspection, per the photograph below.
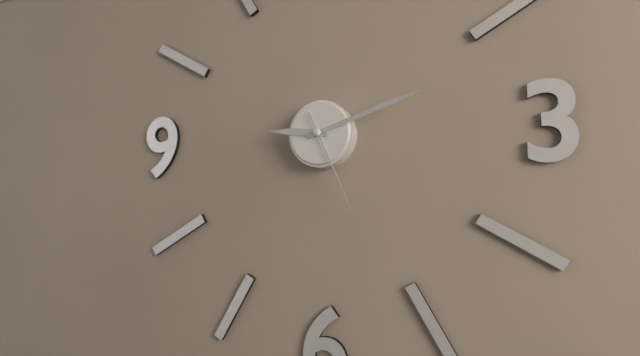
9:12:26
